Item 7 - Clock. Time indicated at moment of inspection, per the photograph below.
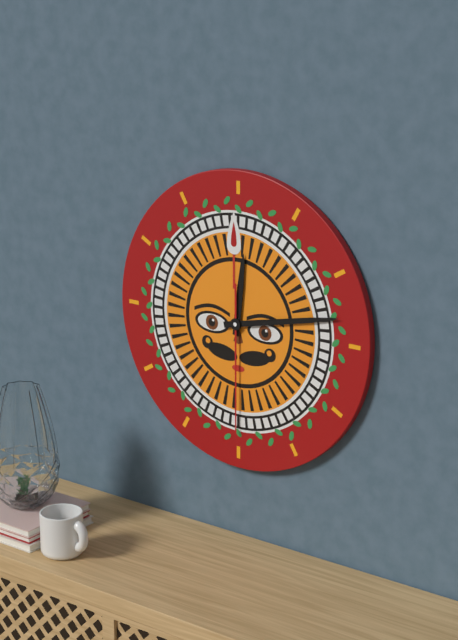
12:13:30
